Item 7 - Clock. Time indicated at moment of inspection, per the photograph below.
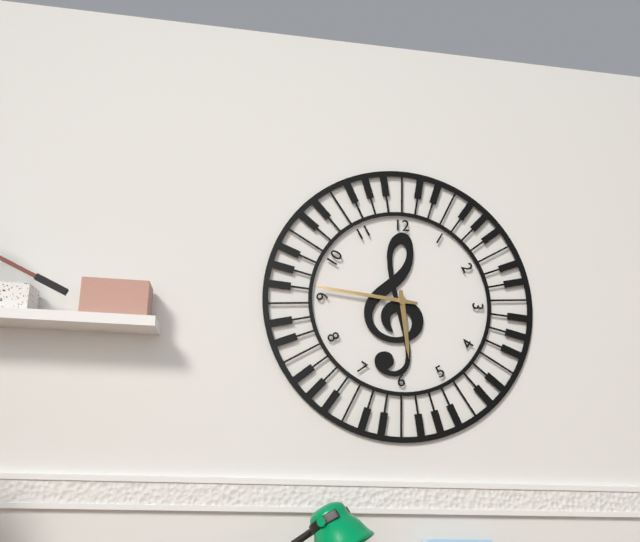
5:46
